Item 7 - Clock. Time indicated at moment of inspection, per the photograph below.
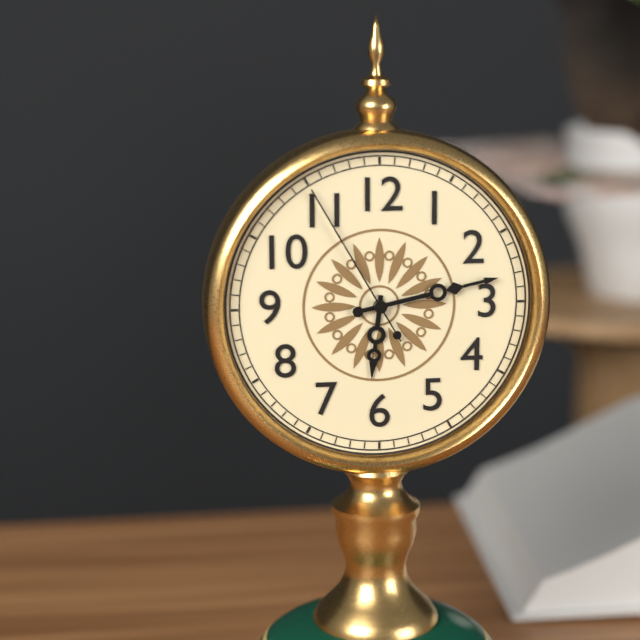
6:13:55
